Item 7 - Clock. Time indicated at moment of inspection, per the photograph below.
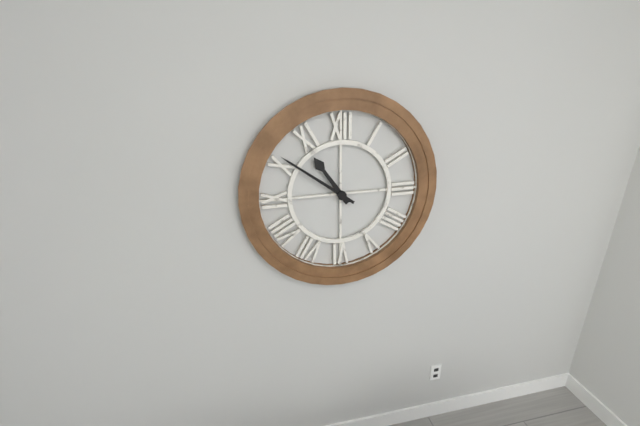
10:51
